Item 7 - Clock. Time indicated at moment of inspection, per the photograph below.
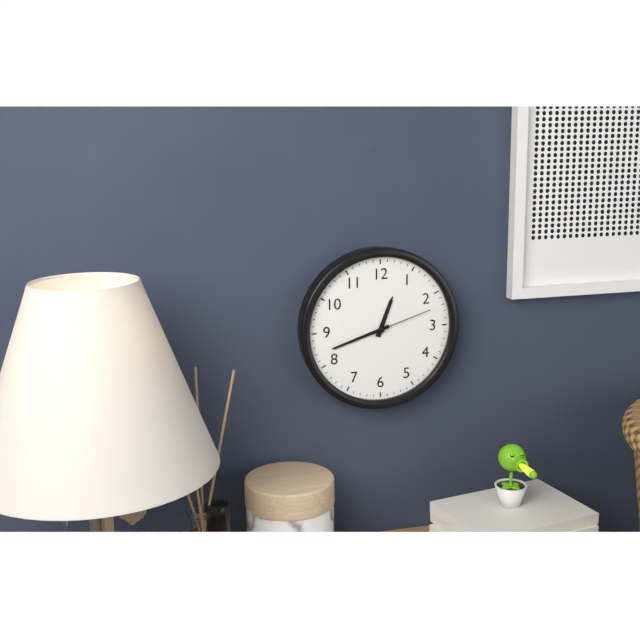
12:42:12
